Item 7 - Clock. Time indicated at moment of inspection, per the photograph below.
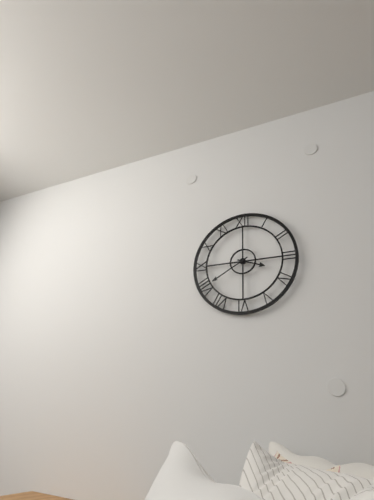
3:40
